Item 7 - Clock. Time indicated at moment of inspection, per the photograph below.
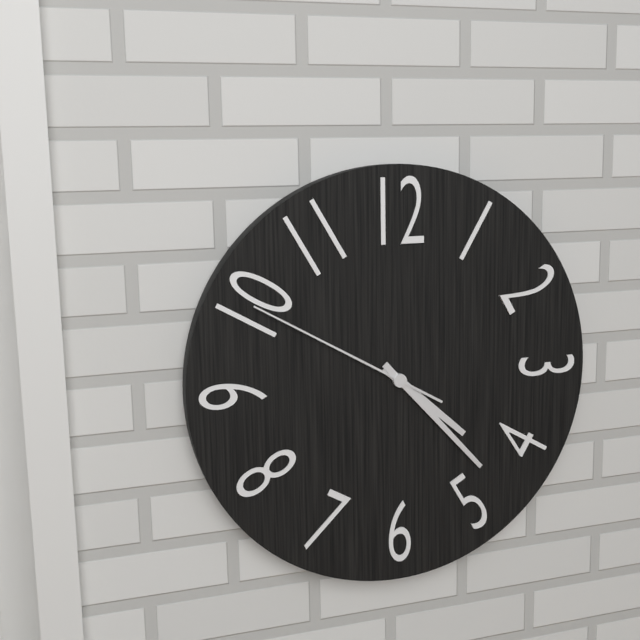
4:23:50
